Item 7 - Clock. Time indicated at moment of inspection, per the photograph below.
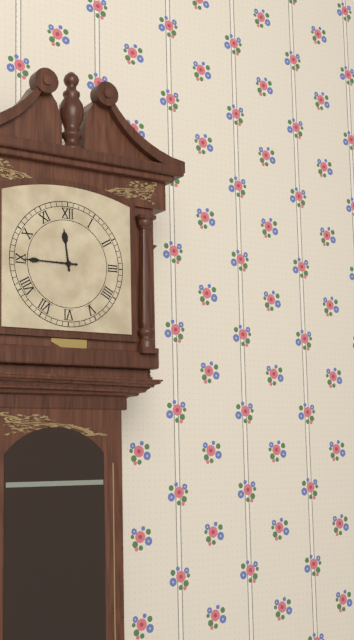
11:45
